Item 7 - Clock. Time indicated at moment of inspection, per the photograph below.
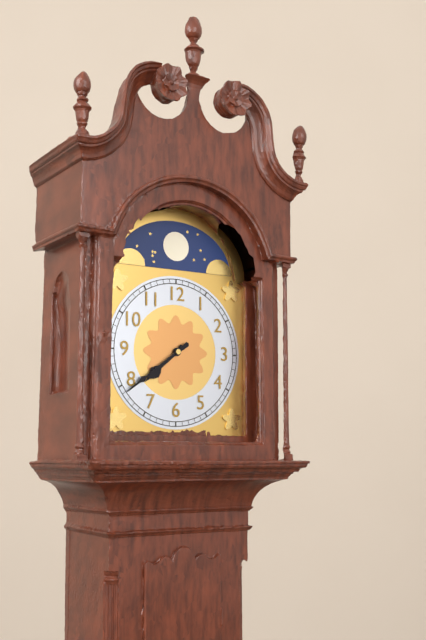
7:39
